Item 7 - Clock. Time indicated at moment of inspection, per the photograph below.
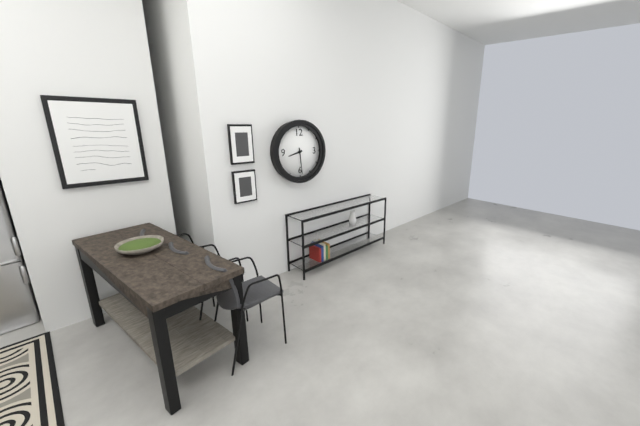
8:29
